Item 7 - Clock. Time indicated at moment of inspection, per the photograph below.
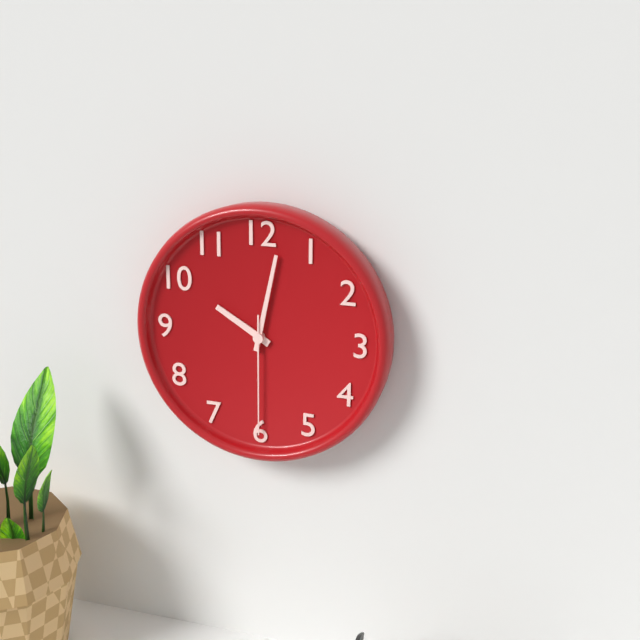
10:02:30
